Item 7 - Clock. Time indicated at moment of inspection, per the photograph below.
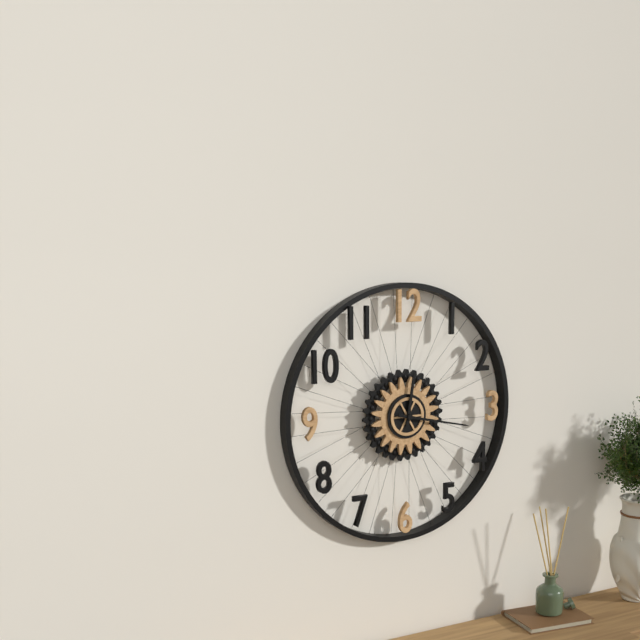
12:17
